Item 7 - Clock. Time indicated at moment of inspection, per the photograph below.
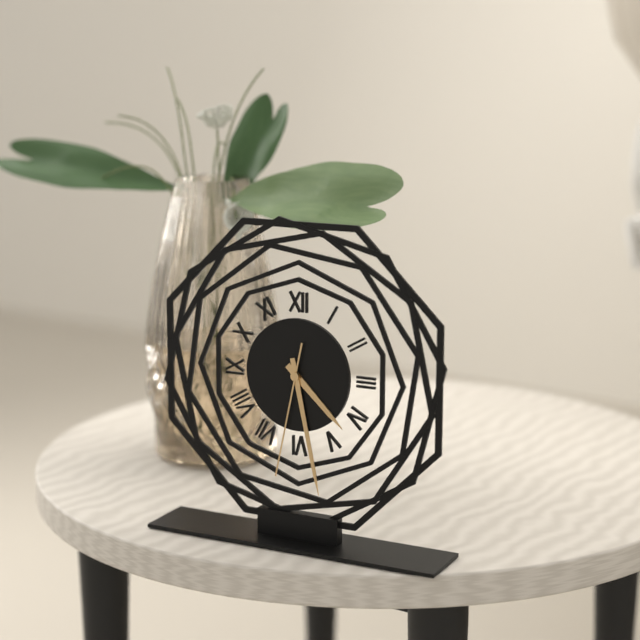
4:28:32
